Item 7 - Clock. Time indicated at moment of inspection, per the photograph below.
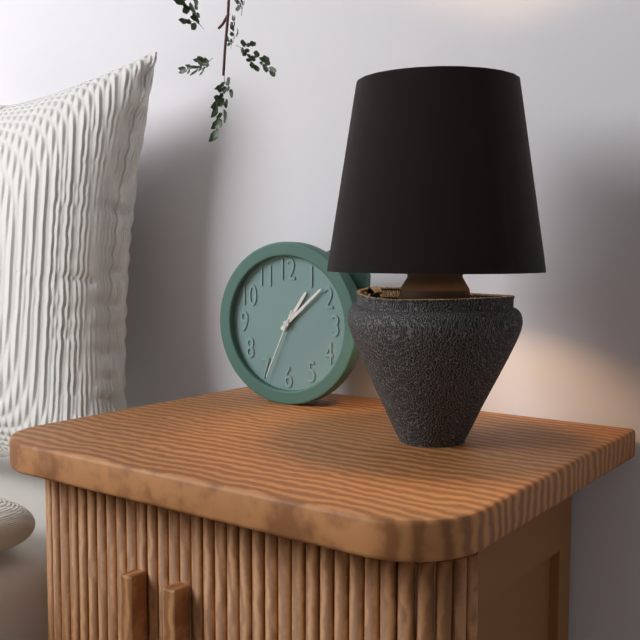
1:08:34
